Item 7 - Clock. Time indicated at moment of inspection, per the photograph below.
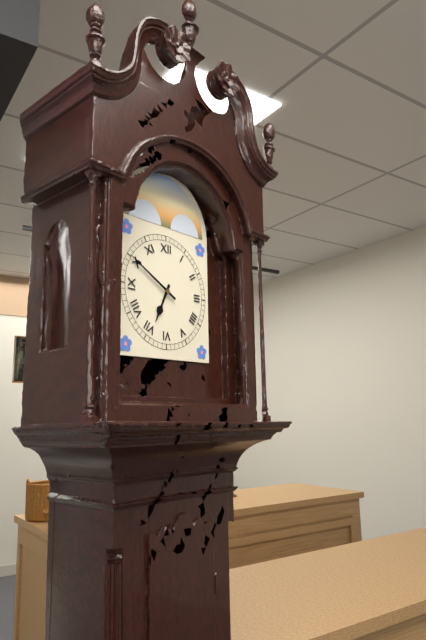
6:50
